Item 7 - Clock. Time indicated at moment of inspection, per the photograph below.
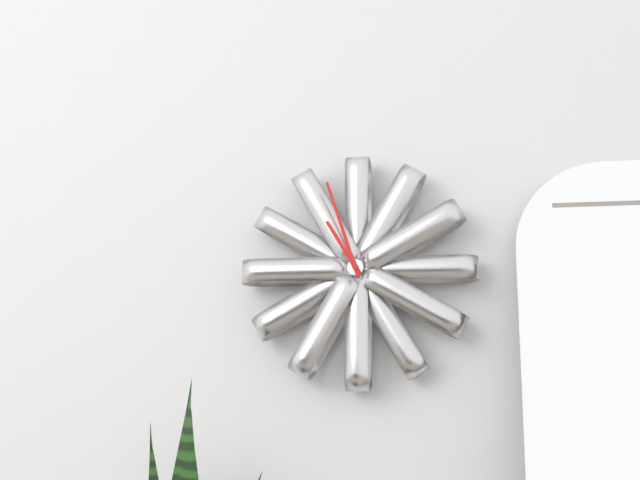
10:57
